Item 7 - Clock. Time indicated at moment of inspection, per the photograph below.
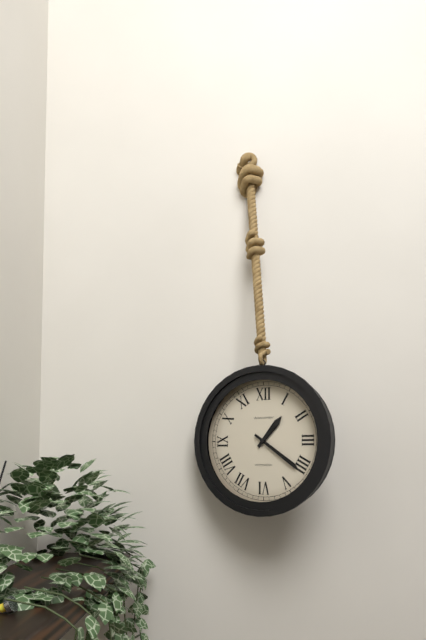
1:21
